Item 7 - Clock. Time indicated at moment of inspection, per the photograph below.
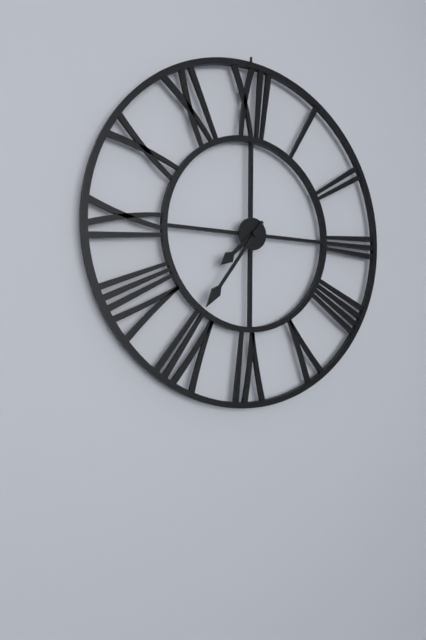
7:36
